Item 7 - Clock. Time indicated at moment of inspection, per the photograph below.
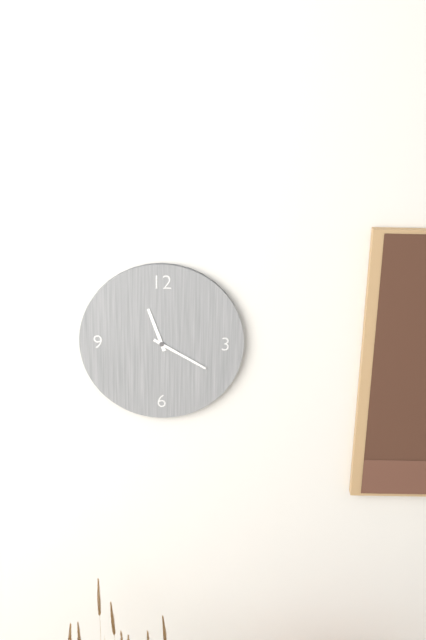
11:20
